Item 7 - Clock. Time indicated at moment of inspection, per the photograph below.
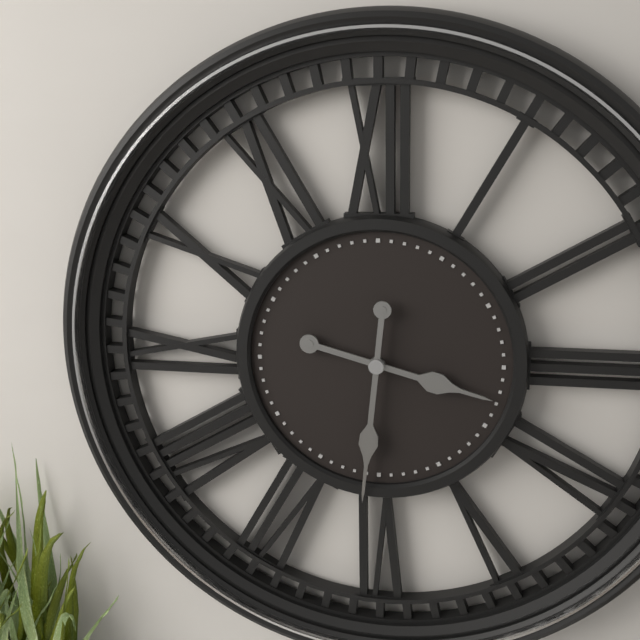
3:31
